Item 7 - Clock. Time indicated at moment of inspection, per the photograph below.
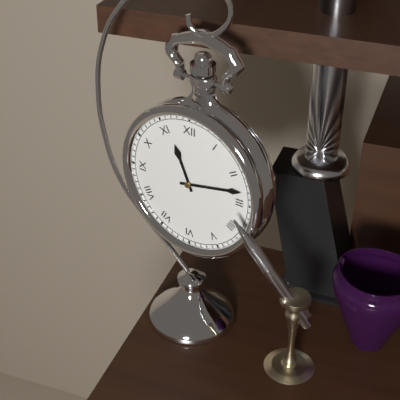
11:13
